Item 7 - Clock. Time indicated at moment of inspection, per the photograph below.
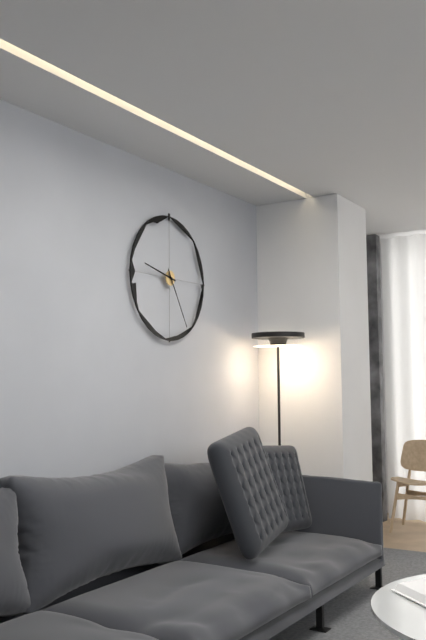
9:25
